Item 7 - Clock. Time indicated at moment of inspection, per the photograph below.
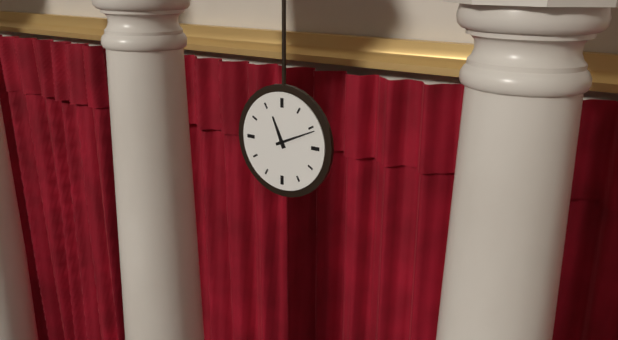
11:11
